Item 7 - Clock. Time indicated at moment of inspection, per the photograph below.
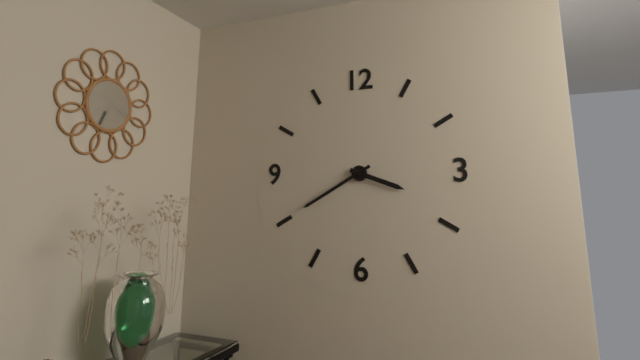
3:40
